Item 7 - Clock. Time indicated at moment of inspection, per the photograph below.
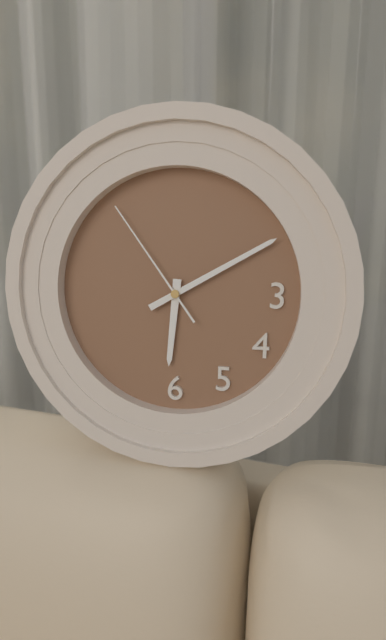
6:10:54
